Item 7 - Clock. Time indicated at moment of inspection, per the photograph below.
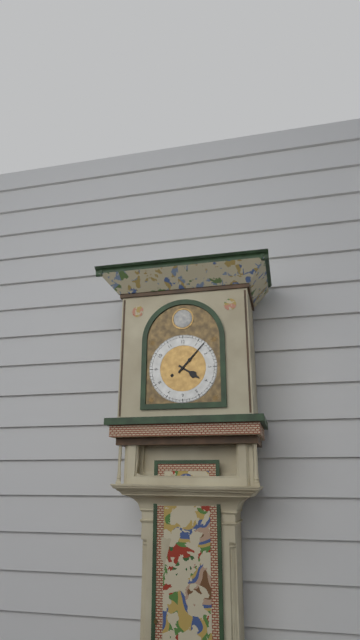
4:07
